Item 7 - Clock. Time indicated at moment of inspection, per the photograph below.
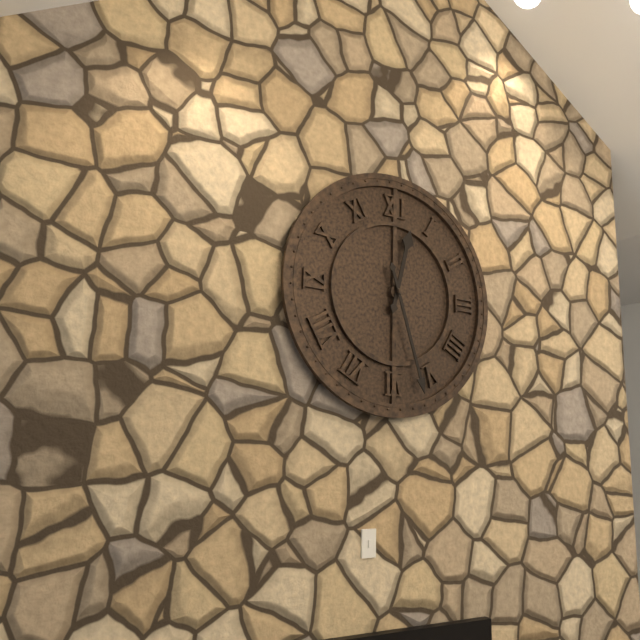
12:27
